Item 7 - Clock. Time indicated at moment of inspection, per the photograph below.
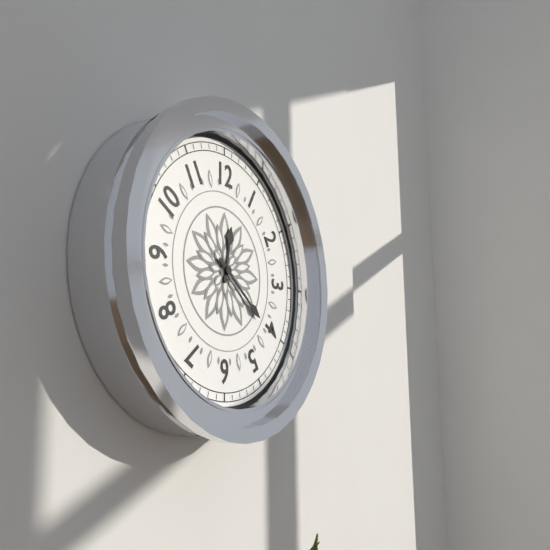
12:21
